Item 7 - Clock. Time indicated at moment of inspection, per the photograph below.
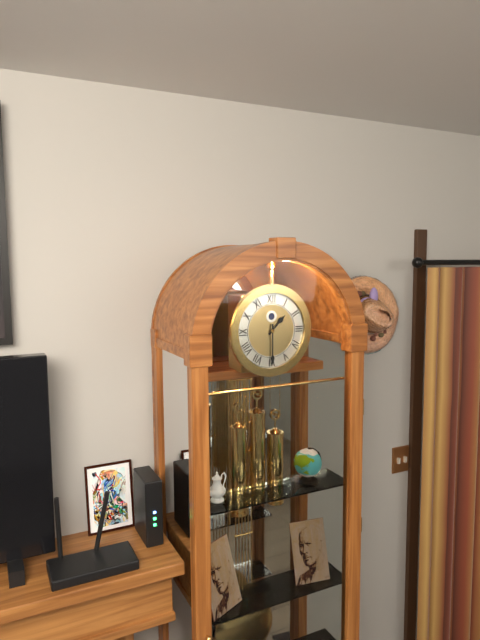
1:30
